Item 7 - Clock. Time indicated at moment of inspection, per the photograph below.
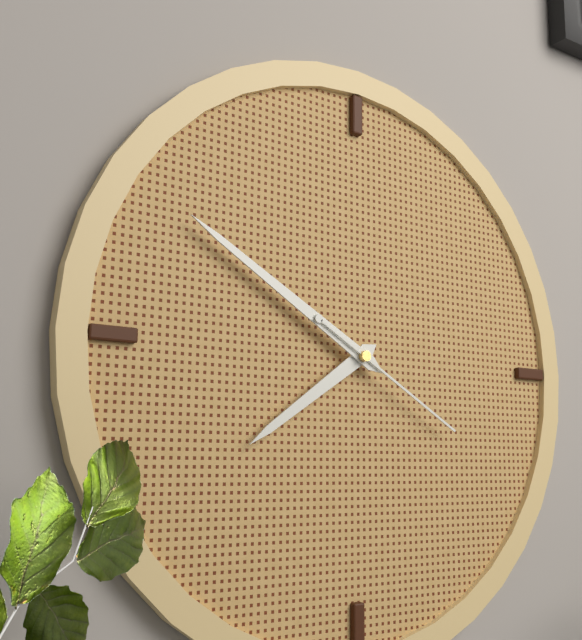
7:50:20
